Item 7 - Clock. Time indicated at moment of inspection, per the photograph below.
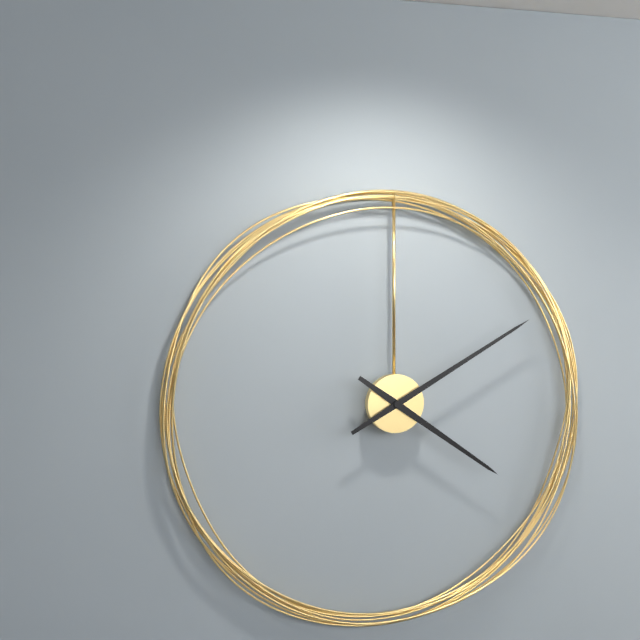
4:10
